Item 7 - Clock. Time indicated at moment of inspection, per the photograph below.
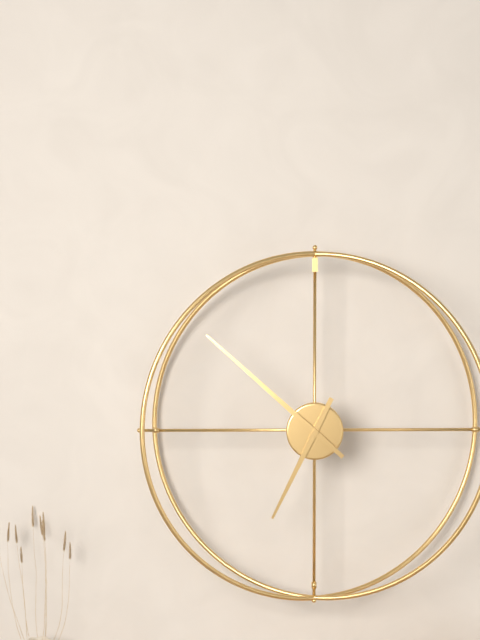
6:52
